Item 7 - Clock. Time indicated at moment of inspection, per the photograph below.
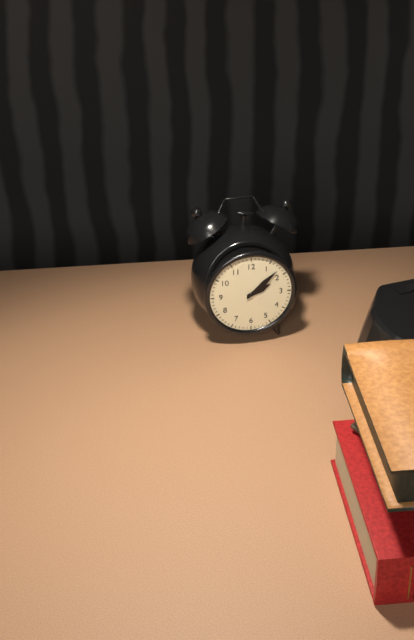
2:08
